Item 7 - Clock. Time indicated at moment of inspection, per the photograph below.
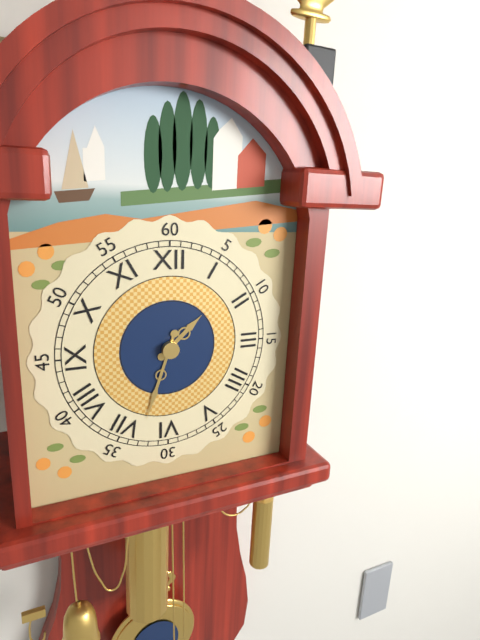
1:33
